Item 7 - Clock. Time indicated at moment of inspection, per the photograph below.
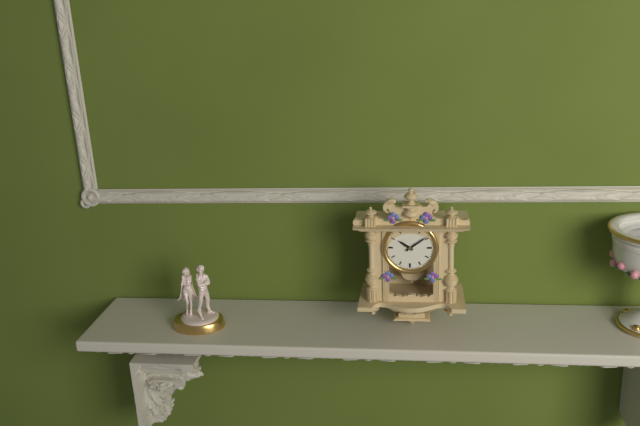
10:09
